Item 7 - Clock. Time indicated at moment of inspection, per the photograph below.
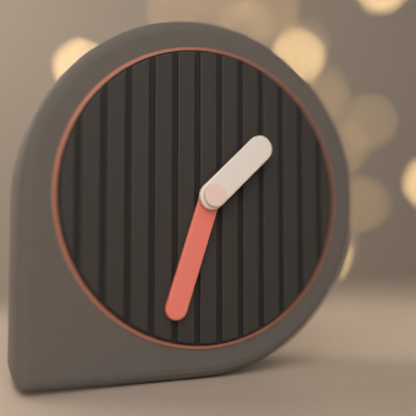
1:33
